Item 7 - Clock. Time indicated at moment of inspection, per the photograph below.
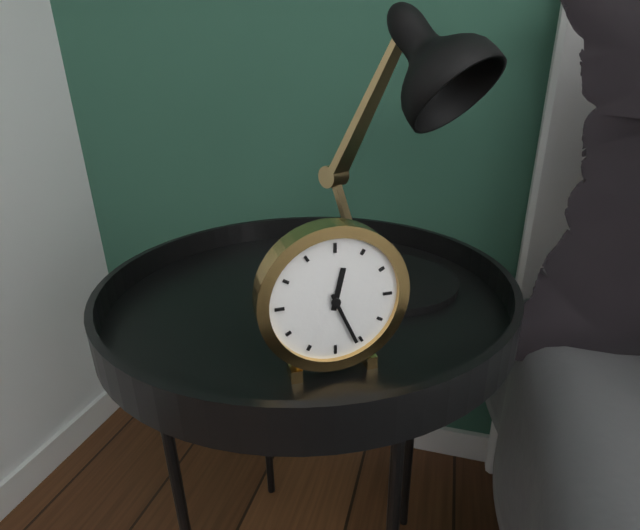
12:26
